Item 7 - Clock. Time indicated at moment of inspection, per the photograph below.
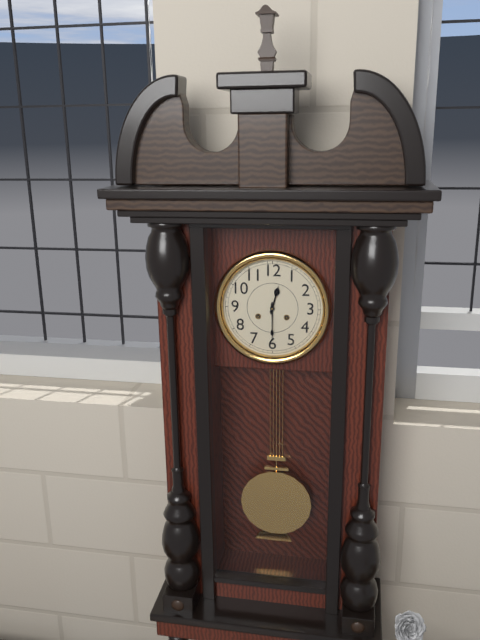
12:30
